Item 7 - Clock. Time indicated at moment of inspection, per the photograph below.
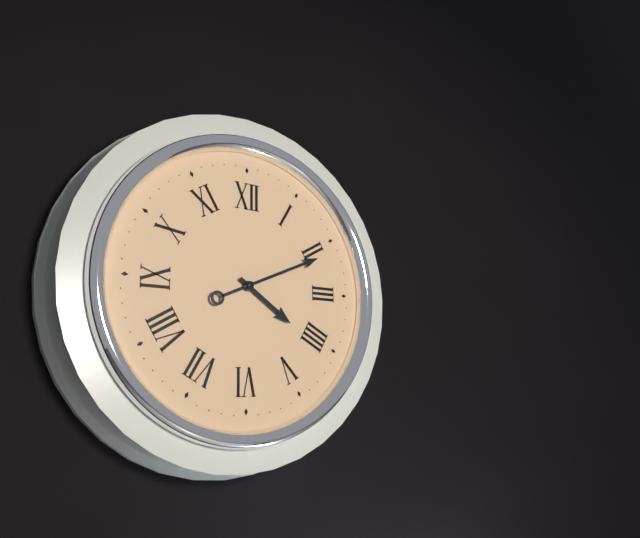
4:11
